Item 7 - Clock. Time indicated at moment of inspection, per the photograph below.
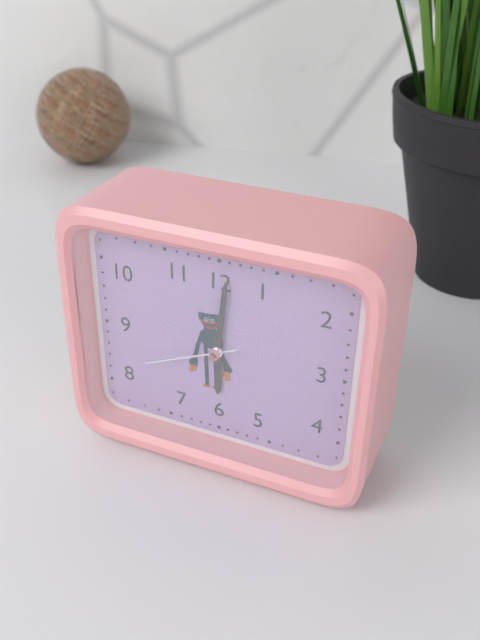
6:01:41
